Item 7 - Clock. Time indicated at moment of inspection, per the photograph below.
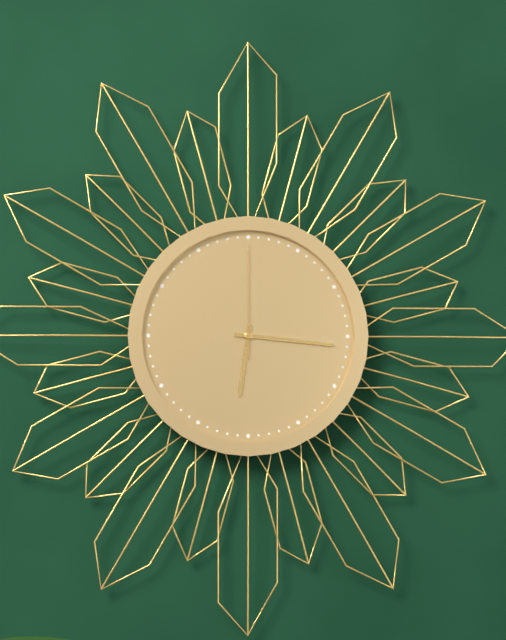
6:16:00
